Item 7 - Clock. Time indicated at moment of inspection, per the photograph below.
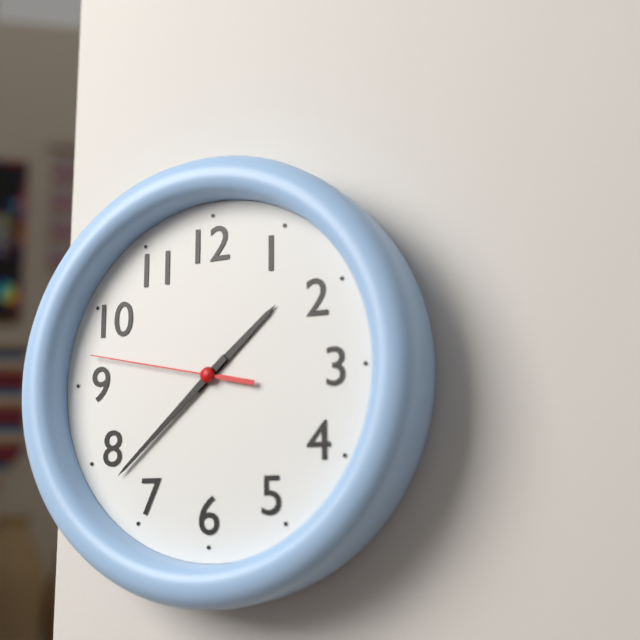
1:38:47
